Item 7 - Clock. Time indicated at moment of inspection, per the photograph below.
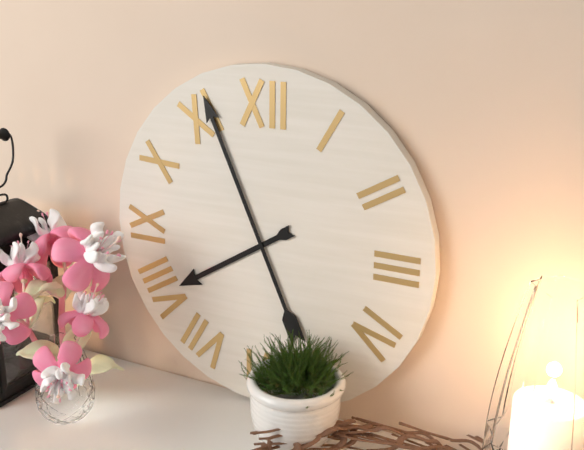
7:56
